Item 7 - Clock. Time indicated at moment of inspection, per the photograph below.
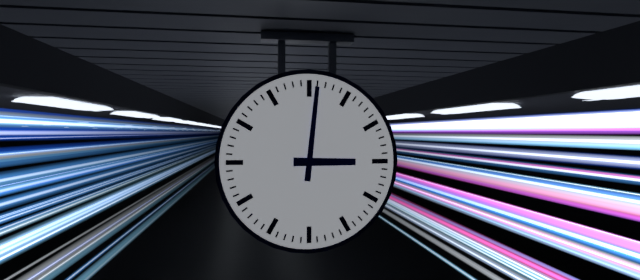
3:01
